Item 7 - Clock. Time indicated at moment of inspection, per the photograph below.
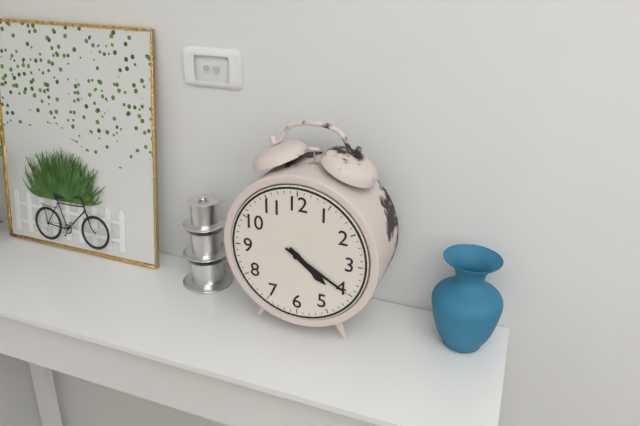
4:20
